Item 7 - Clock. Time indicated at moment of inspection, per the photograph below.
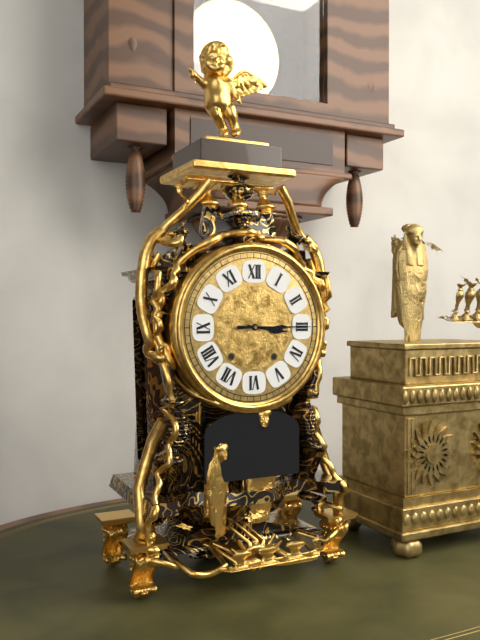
3:15
